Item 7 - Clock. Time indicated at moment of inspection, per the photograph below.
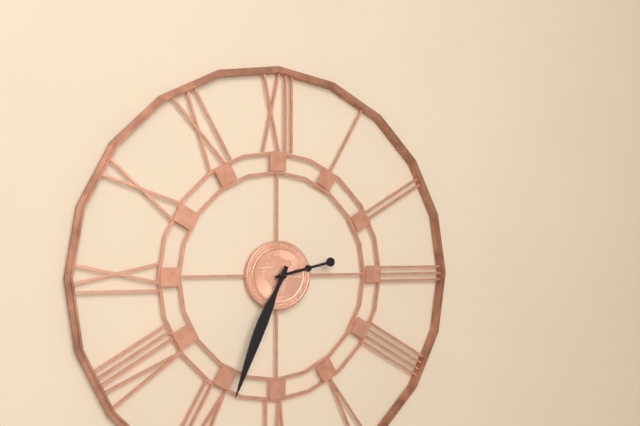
2:34
